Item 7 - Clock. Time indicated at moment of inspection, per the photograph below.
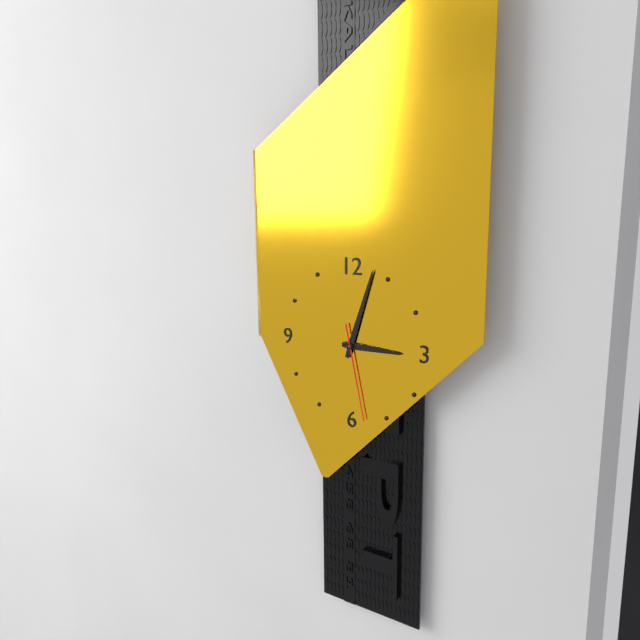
3:03:28
